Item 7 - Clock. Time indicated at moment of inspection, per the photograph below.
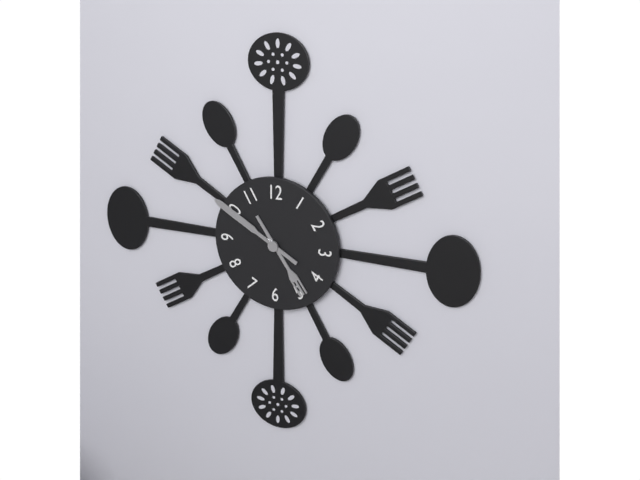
4:50
